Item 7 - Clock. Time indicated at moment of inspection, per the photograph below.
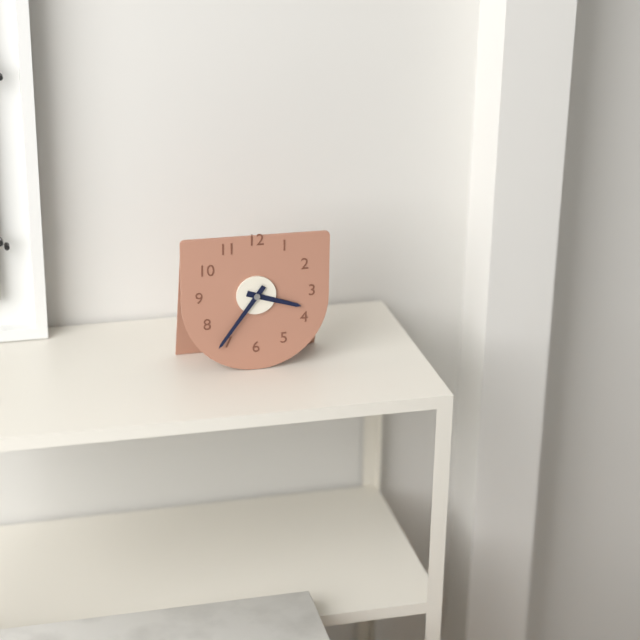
3:36
